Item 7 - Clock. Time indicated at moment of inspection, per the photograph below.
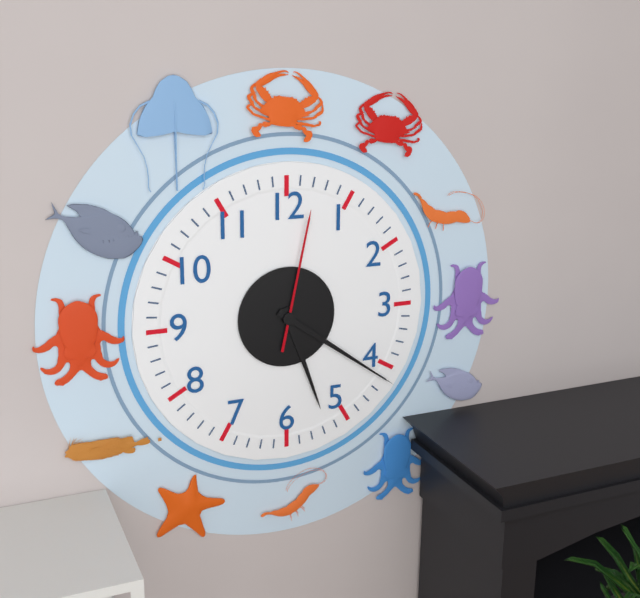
5:21:02
